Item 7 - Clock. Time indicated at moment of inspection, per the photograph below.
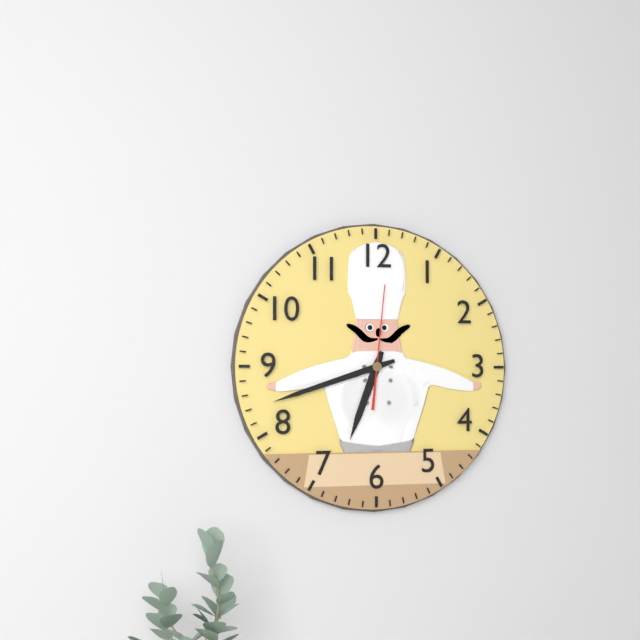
6:42:01
